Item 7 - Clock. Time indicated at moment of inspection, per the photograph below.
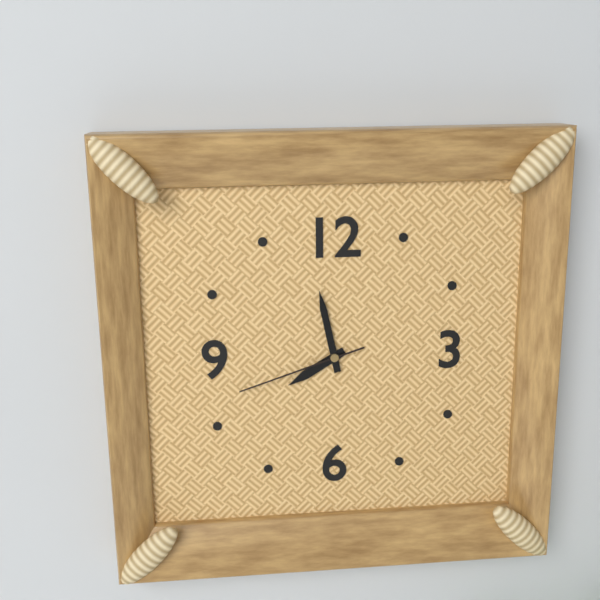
7:58:42
